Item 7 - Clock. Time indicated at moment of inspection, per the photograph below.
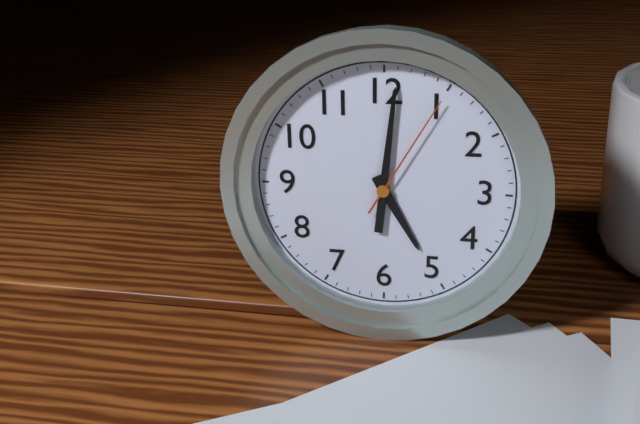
5:01:05
